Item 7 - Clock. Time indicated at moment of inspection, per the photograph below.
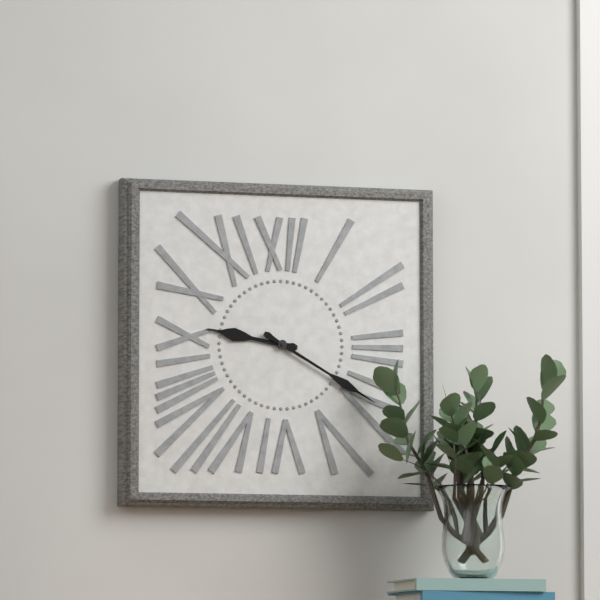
9:20
